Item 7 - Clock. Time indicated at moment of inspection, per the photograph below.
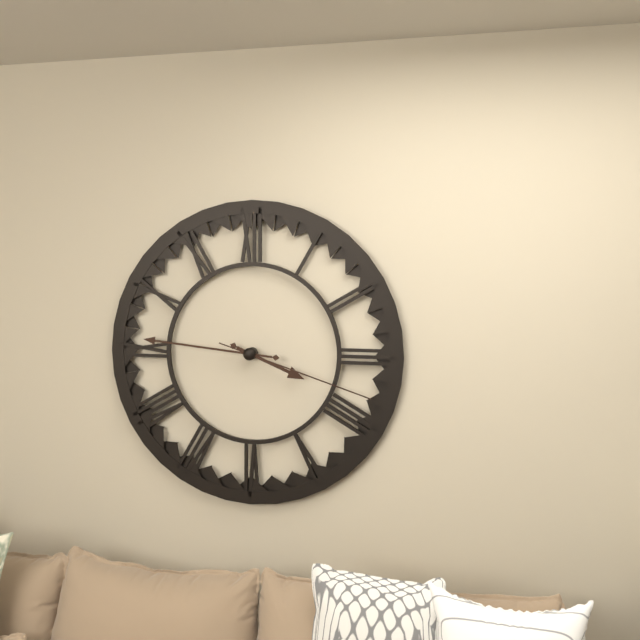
3:46:18
